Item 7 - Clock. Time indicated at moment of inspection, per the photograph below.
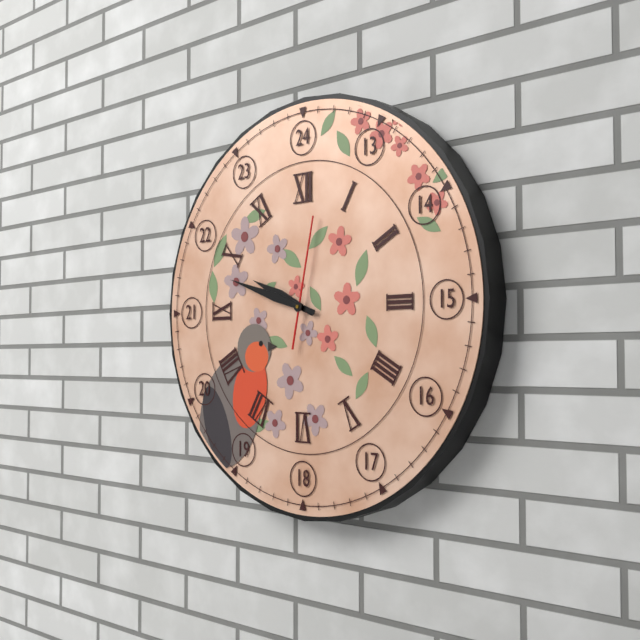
9:48:02
